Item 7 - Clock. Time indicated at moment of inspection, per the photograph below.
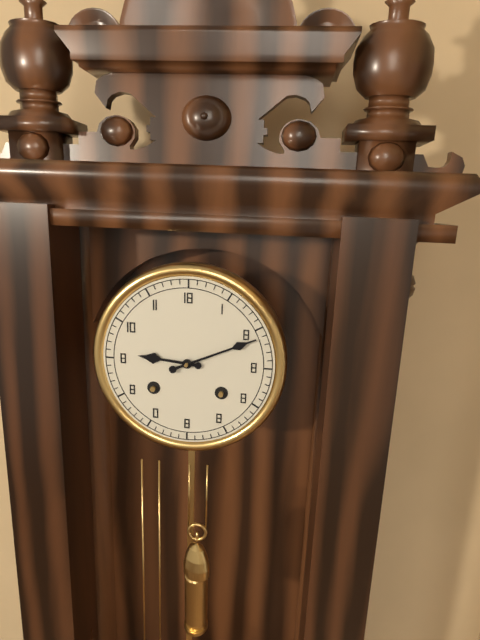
9:11
